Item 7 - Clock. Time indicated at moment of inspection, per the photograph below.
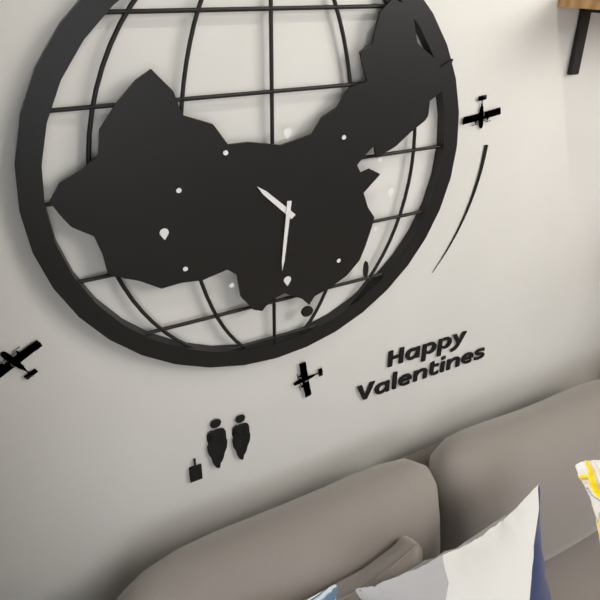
10:31
